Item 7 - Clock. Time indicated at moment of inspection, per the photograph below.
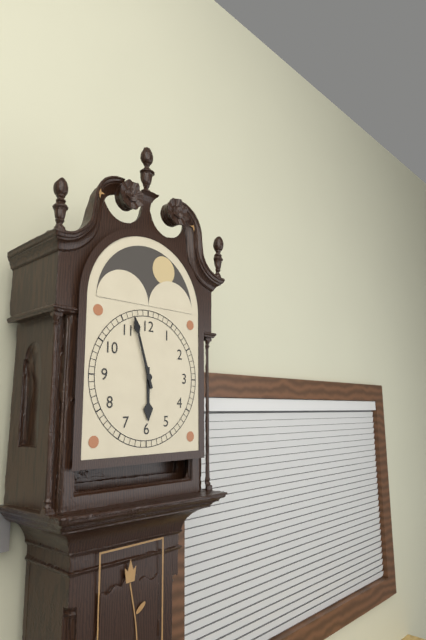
5:57
